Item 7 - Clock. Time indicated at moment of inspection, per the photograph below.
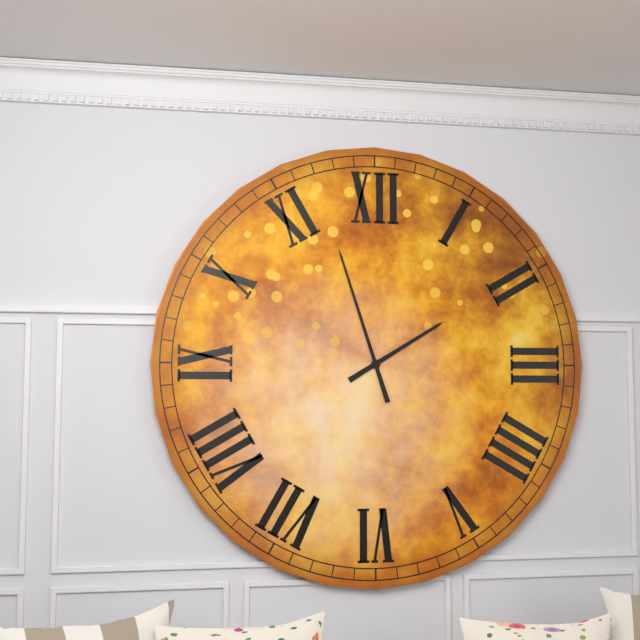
1:57
